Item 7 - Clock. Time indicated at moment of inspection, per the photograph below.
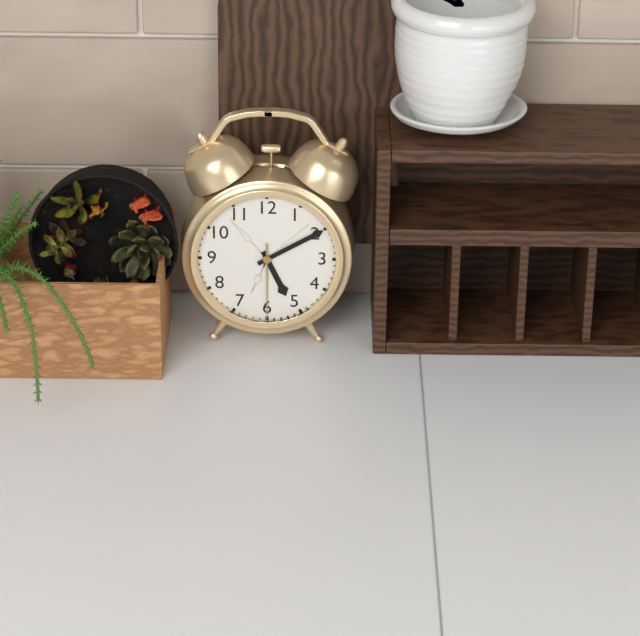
5:10:30
